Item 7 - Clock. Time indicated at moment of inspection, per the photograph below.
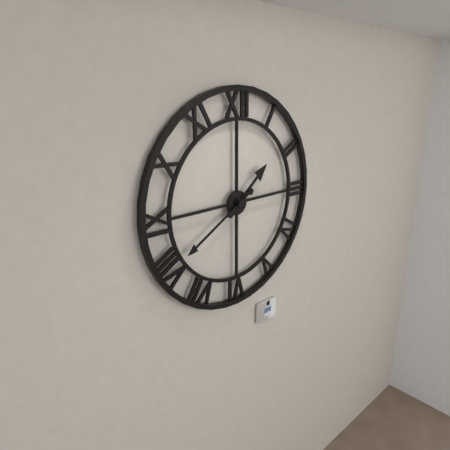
1:40
